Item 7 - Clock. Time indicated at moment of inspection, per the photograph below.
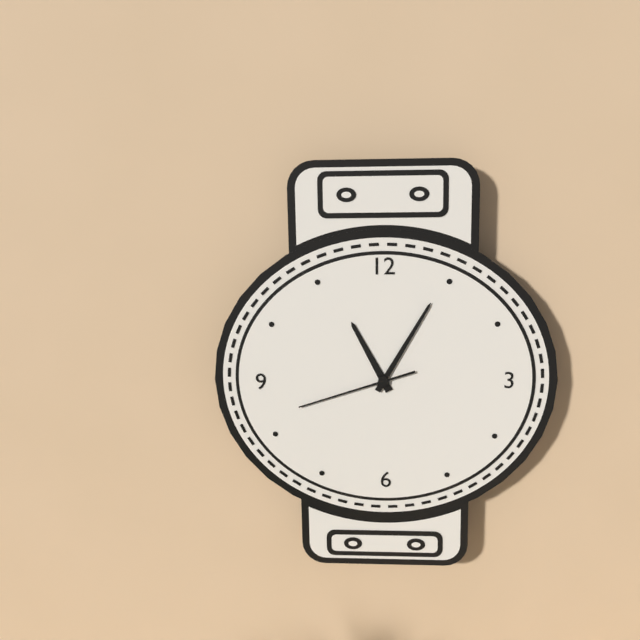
11:05:42
